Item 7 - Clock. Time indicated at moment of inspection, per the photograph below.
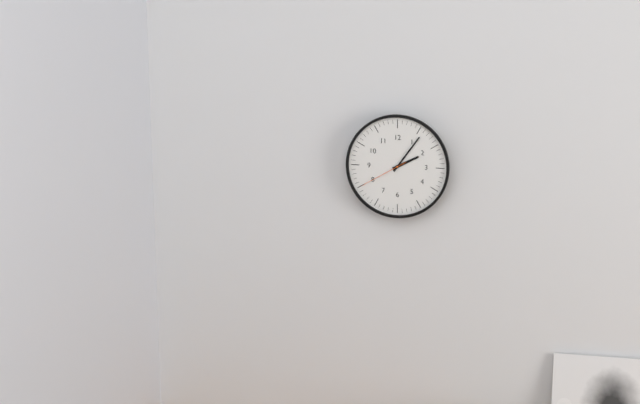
2:06
